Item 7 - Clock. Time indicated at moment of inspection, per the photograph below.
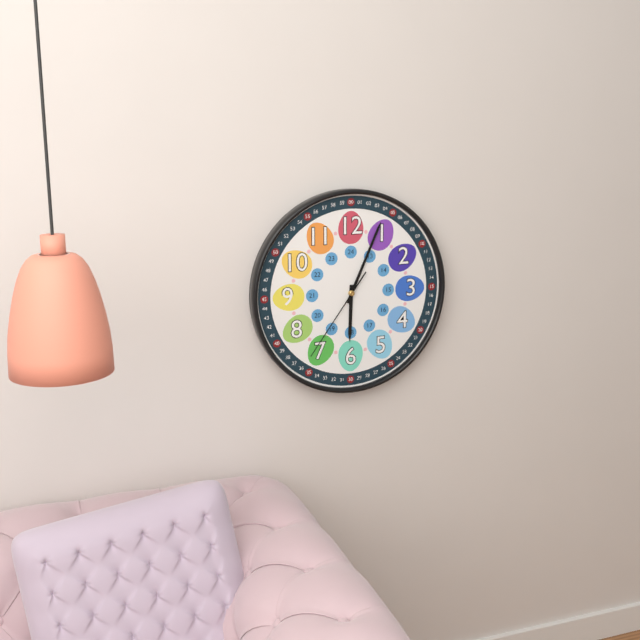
6:04:36
